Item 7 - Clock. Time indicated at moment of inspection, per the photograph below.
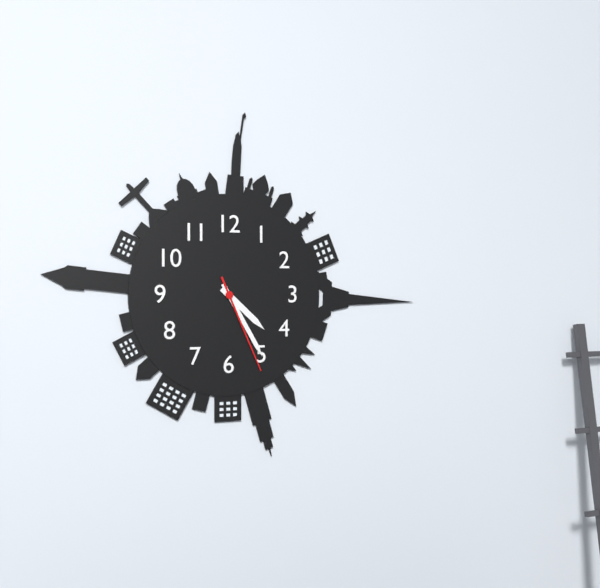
4:25:26
